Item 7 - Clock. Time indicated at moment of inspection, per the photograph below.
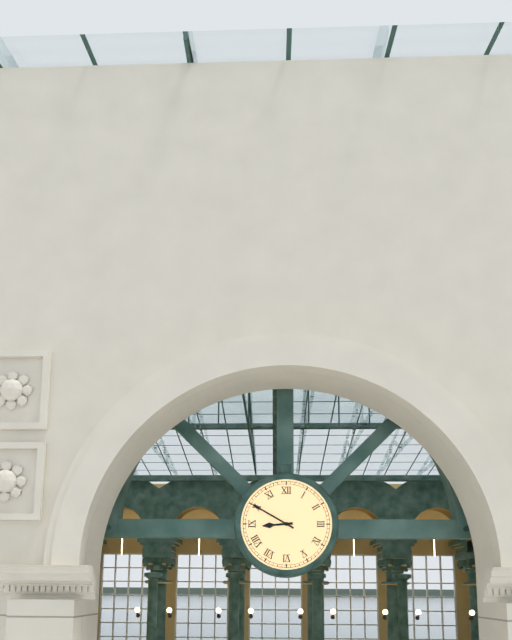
8:50
